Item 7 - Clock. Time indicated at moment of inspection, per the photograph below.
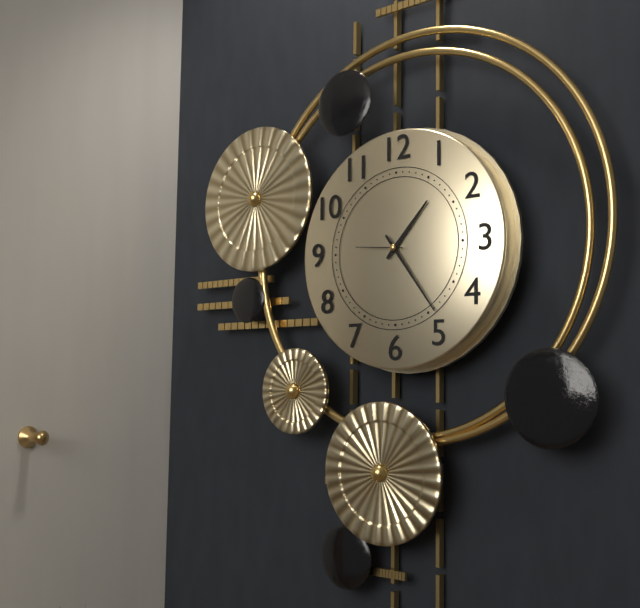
1:24
